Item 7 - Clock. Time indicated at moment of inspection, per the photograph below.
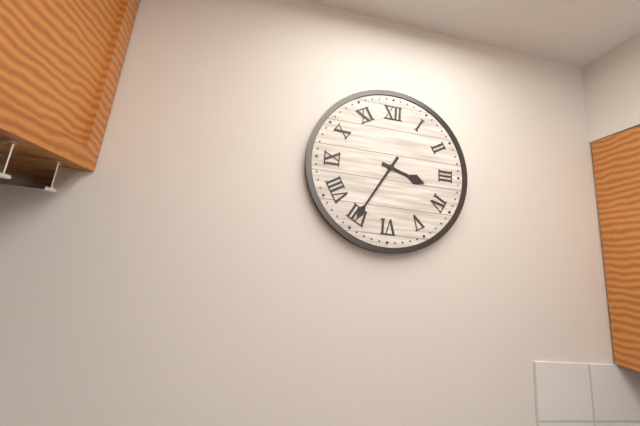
3:35
